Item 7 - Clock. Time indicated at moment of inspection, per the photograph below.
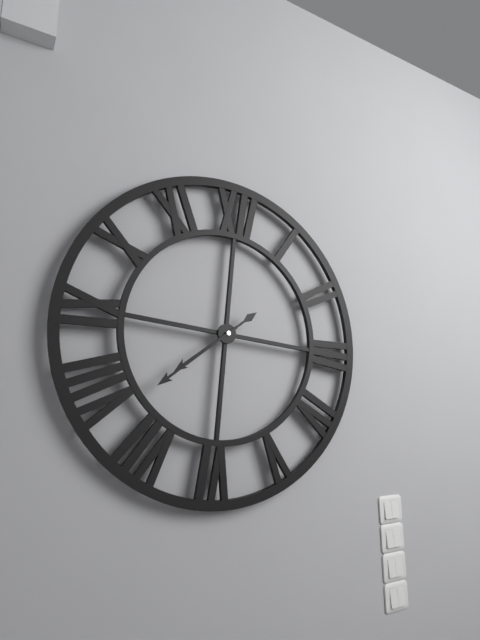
7:38
